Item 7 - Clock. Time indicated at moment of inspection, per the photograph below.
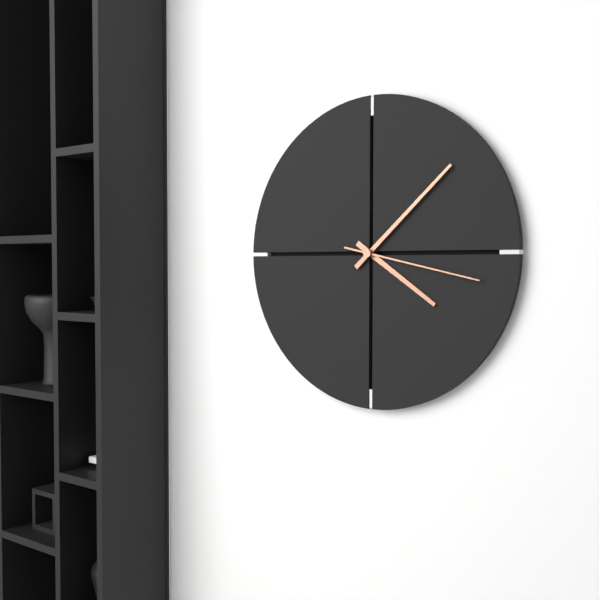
4:08:17
